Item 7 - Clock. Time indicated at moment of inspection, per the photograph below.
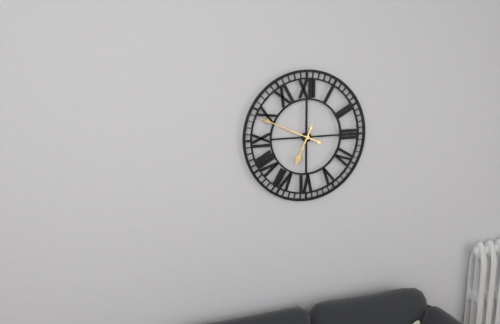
6:49
